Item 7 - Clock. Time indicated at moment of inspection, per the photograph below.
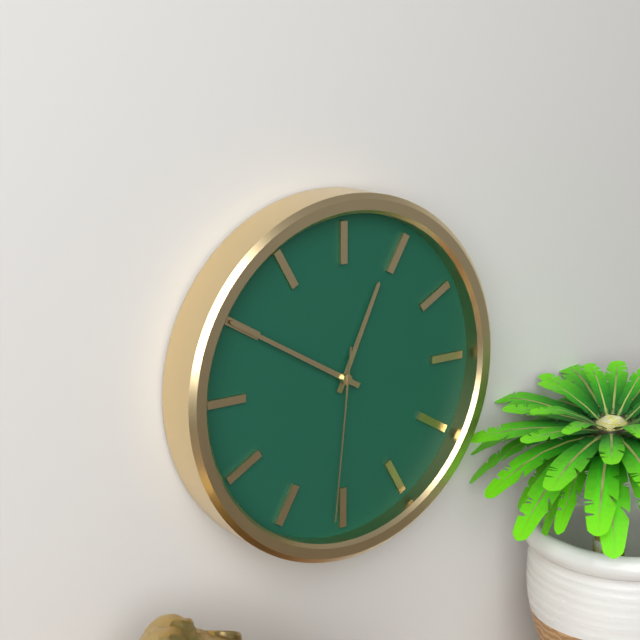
12:50:31
